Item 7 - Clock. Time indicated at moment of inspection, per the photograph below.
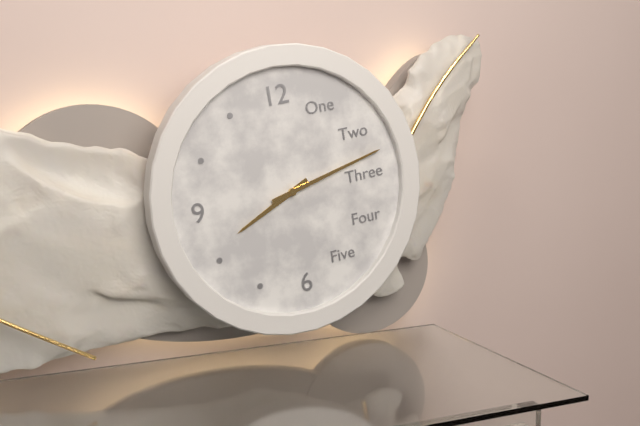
8:13
